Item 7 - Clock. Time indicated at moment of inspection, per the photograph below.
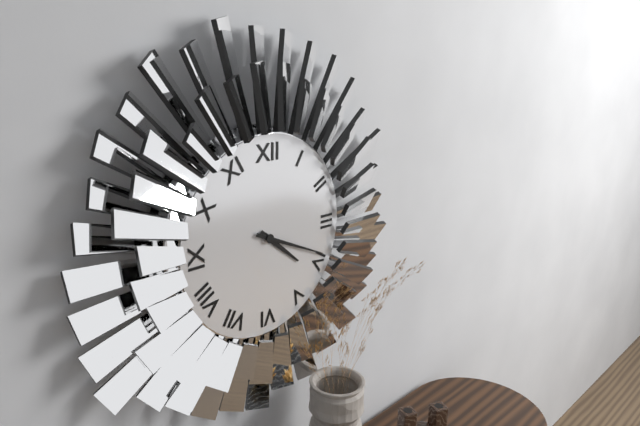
4:19
